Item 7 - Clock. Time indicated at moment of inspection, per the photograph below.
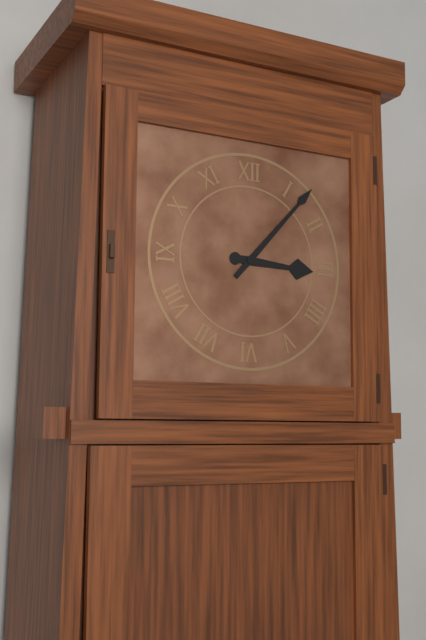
3:07
